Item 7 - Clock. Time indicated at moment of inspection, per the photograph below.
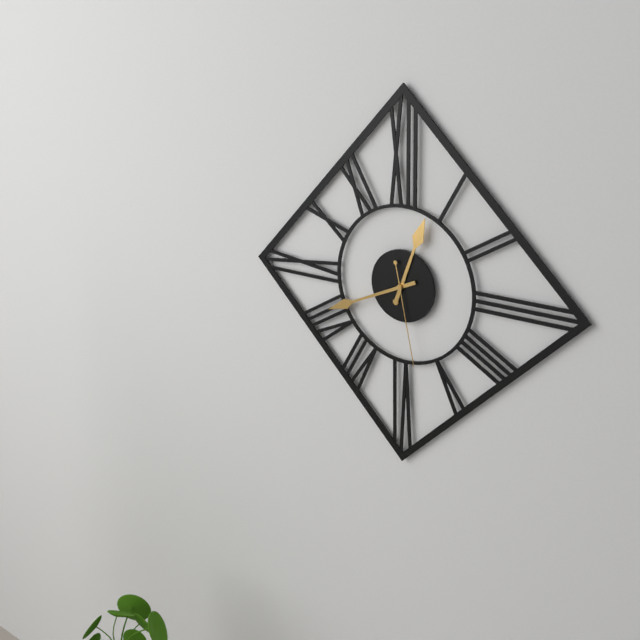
12:41:28
